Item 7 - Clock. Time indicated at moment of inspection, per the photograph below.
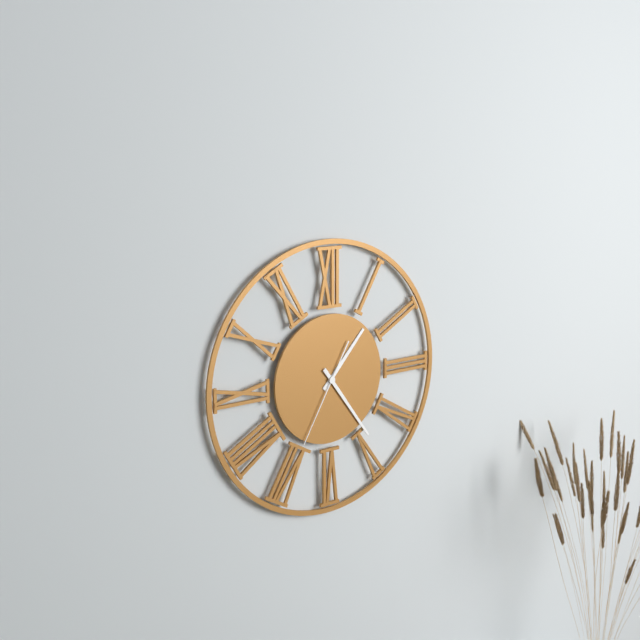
1:24:35
